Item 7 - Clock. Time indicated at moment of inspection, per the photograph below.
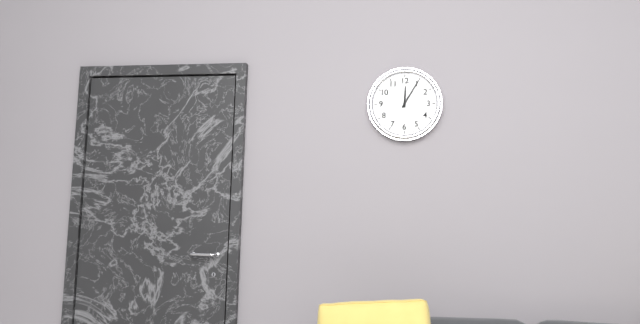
12:05
